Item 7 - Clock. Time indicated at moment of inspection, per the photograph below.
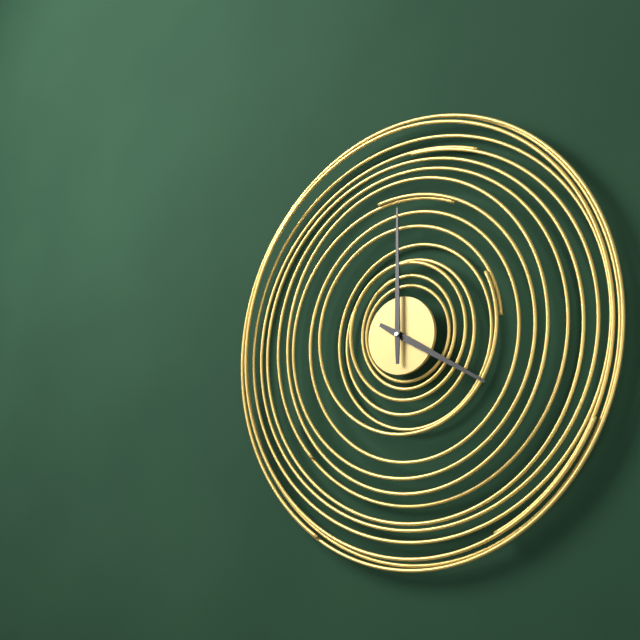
4:00
